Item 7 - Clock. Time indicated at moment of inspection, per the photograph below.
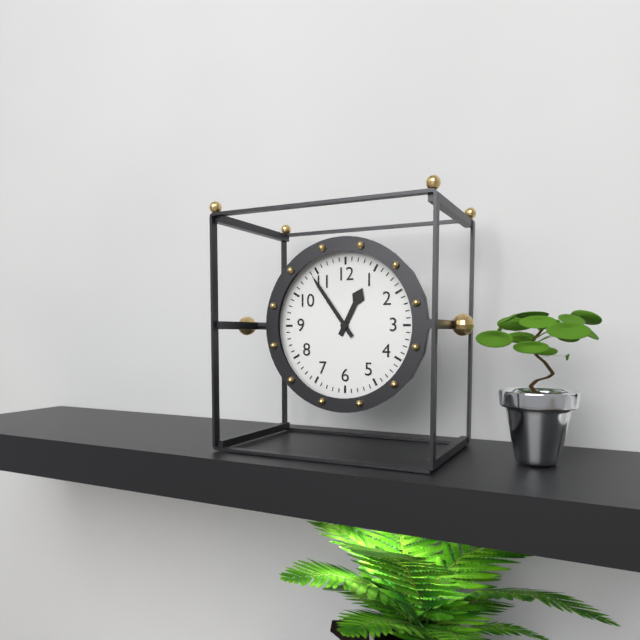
12:54
